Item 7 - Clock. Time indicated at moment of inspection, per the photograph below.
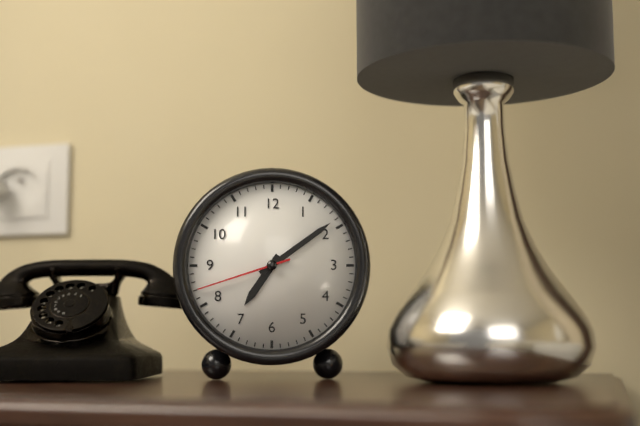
7:09:42
